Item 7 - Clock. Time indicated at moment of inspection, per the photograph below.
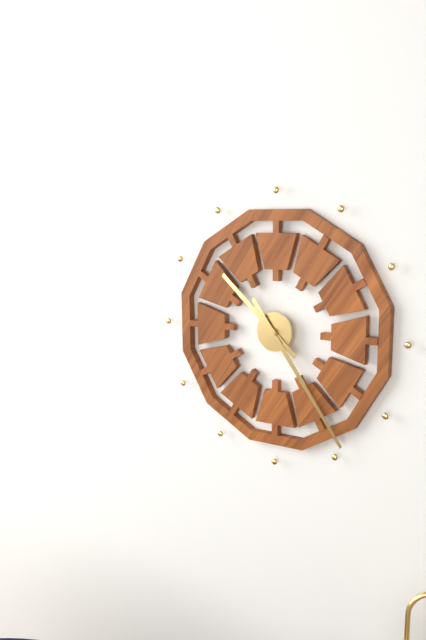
10:24
